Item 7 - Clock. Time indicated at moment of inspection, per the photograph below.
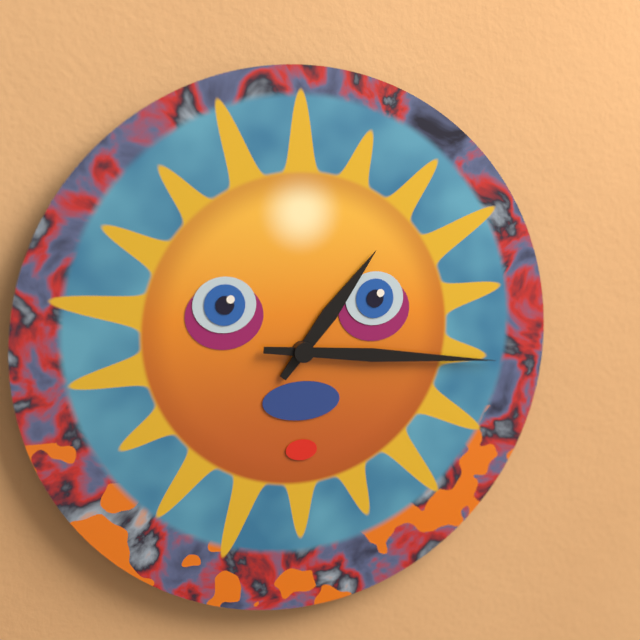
1:16
